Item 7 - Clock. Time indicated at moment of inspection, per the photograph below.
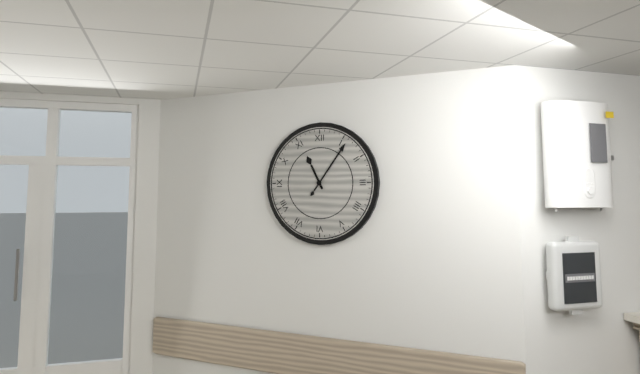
11:06
